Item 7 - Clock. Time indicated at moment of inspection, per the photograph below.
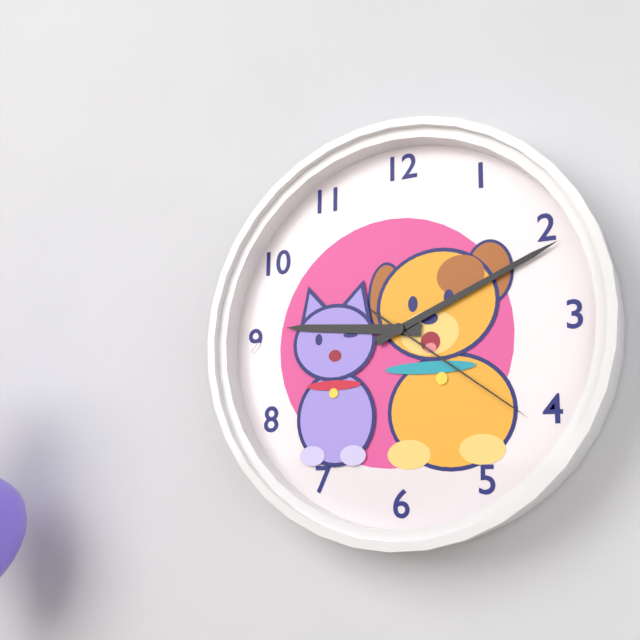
9:11:21
